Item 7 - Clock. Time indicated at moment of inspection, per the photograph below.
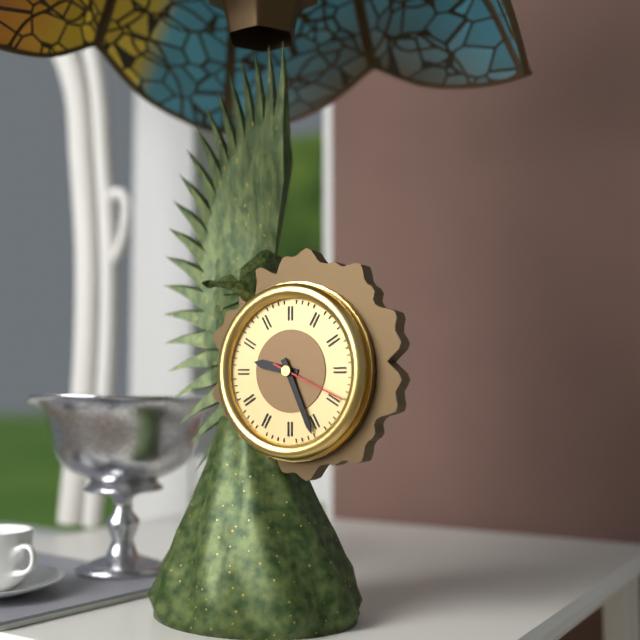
9:26:19
